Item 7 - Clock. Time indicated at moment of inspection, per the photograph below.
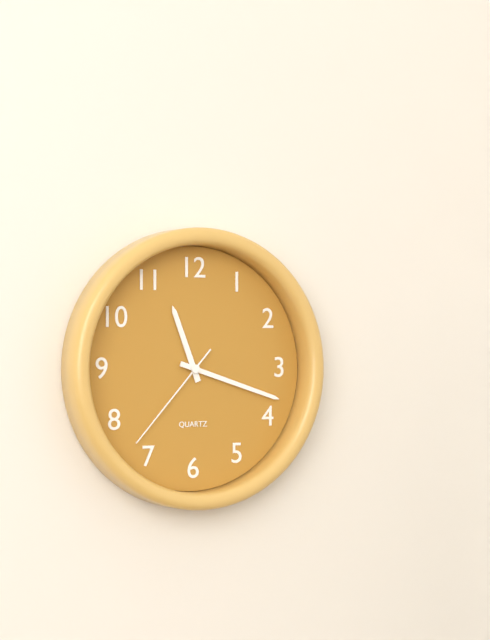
11:18:37
